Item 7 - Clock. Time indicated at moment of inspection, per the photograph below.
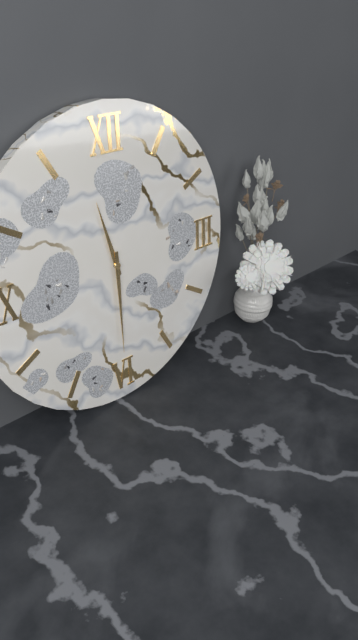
11:30
